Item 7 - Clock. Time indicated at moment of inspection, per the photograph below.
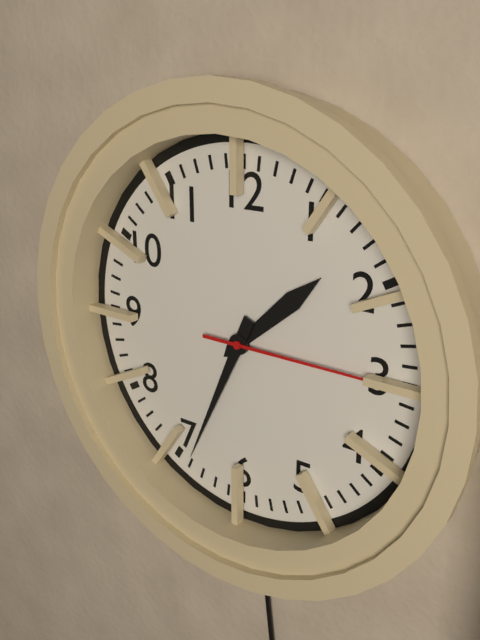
1:34:15
